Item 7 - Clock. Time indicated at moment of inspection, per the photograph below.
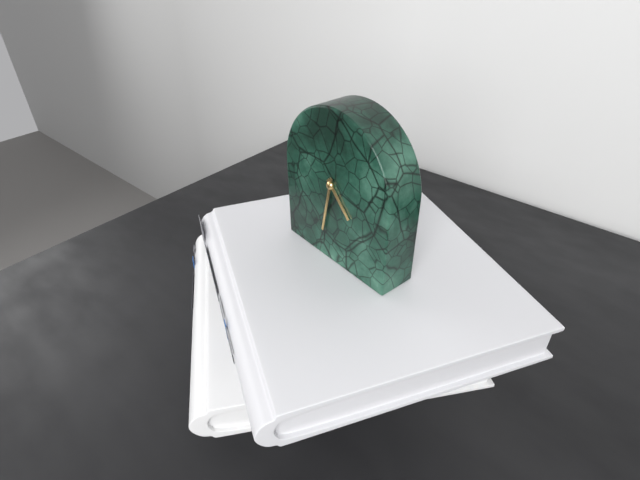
4:32
